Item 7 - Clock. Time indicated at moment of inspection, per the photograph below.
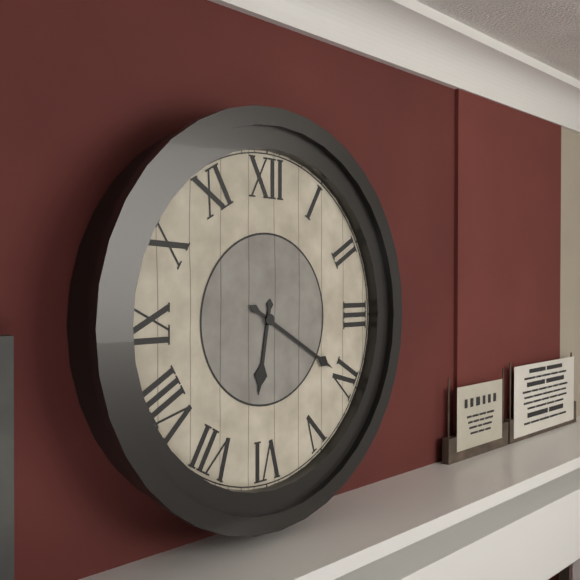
6:20
